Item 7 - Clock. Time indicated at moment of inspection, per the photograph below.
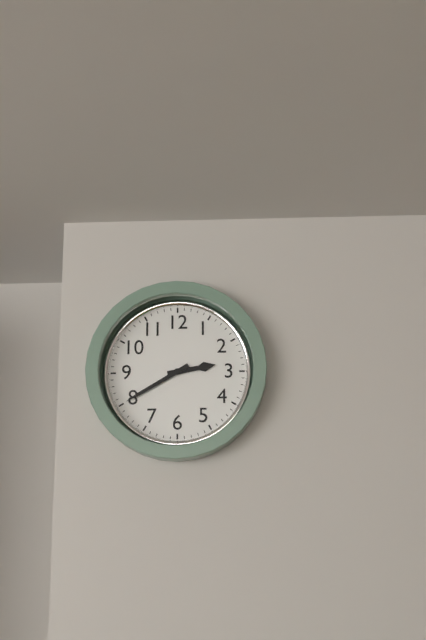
2:40
